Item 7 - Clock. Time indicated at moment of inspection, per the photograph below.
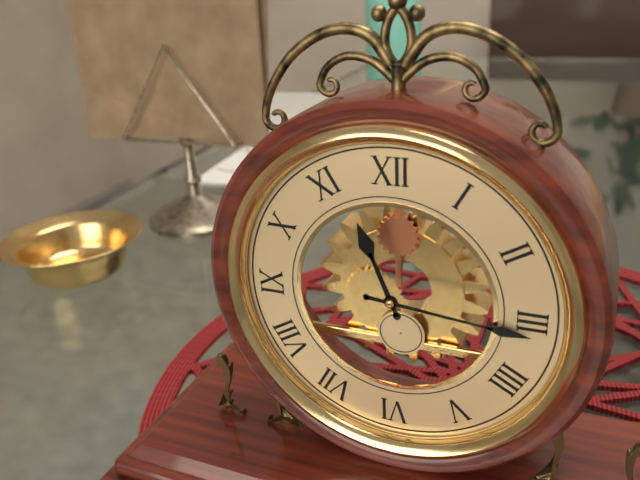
11:16
